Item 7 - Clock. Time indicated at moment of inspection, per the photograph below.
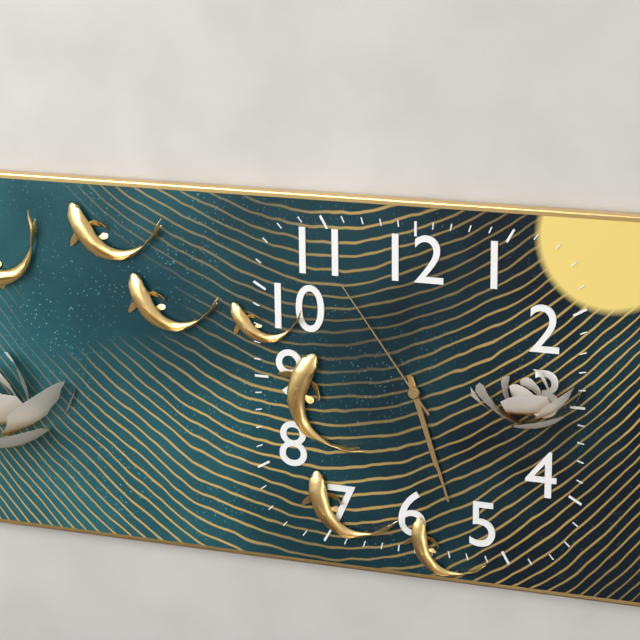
5:27:54
